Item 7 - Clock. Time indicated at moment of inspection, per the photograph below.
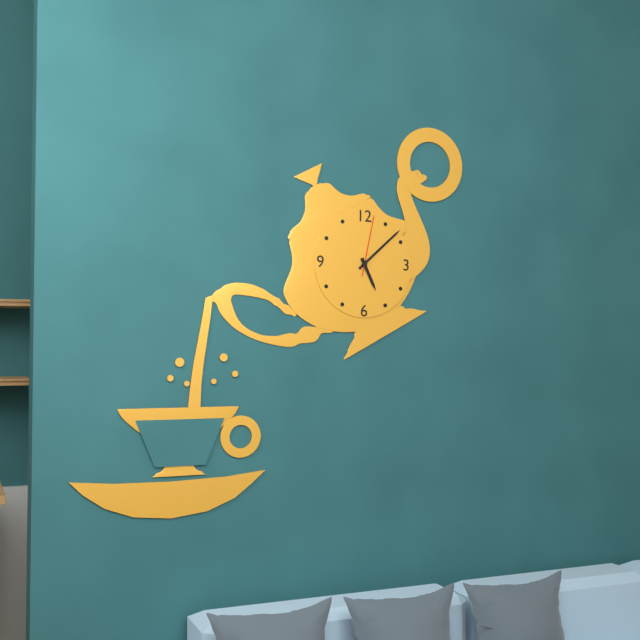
5:08:02
